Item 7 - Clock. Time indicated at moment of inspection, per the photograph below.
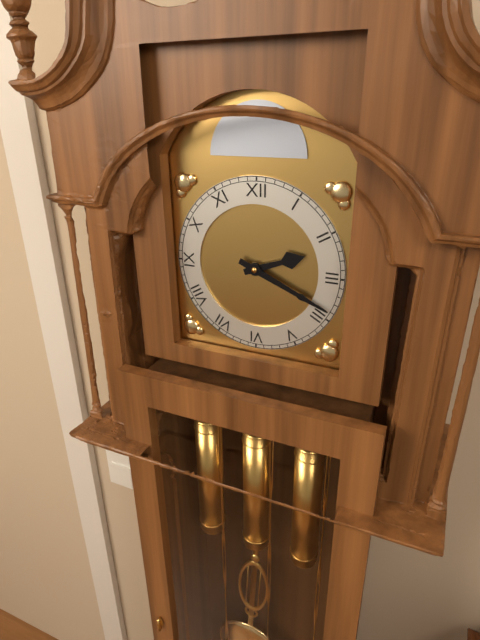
2:19
